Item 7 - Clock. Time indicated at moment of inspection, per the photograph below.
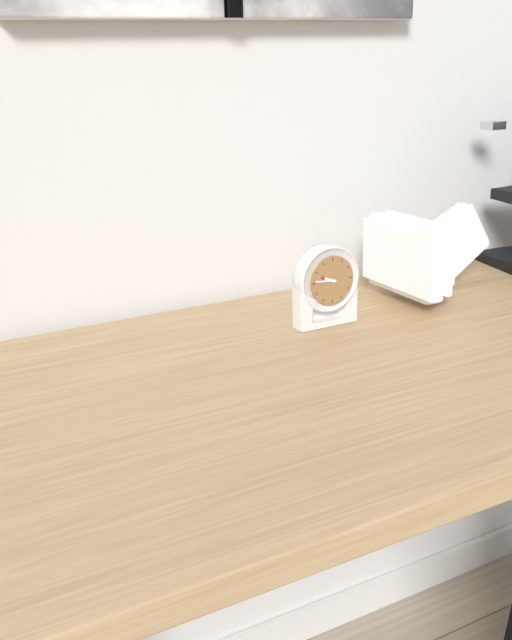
9:46
